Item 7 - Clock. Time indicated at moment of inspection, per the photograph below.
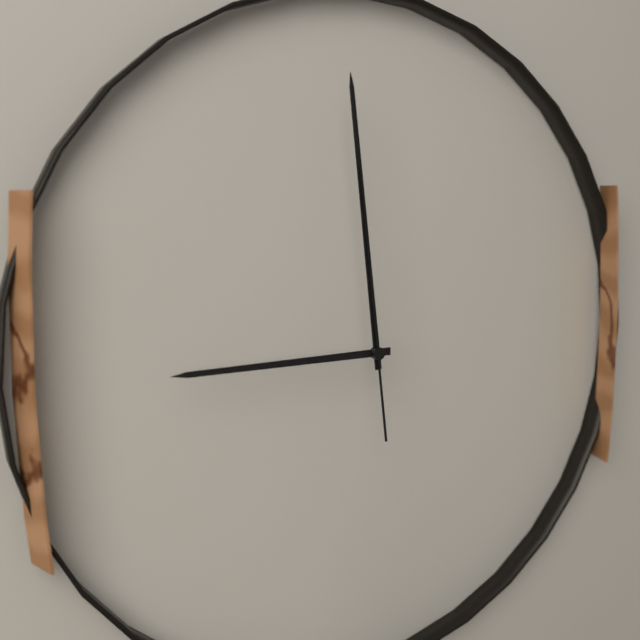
8:59:59
